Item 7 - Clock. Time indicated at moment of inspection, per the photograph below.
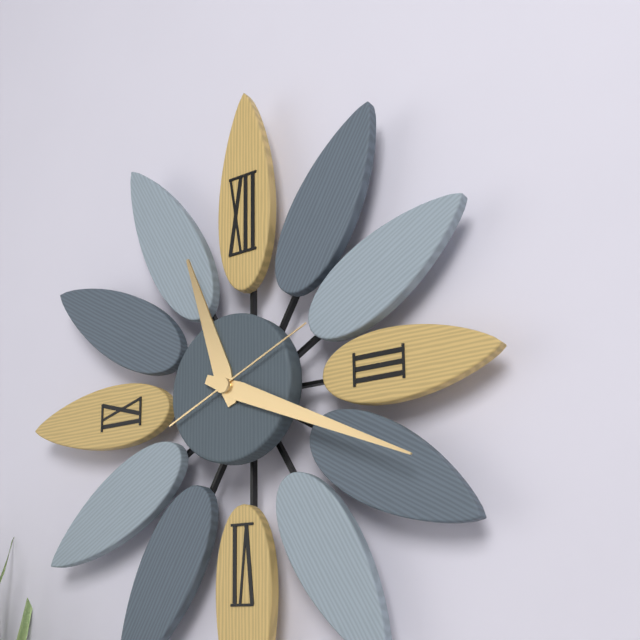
11:19:11
